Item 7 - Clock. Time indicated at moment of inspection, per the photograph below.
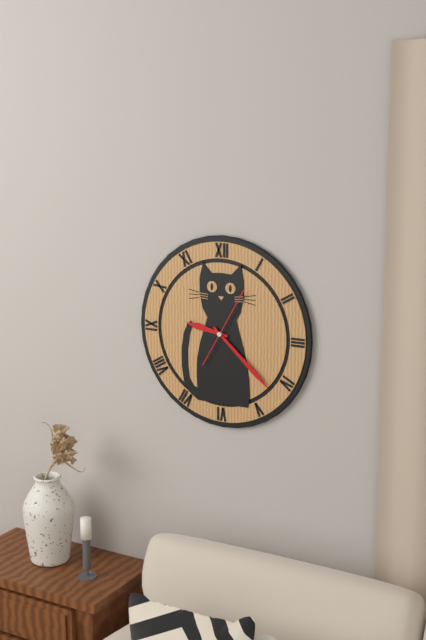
9:22:05
